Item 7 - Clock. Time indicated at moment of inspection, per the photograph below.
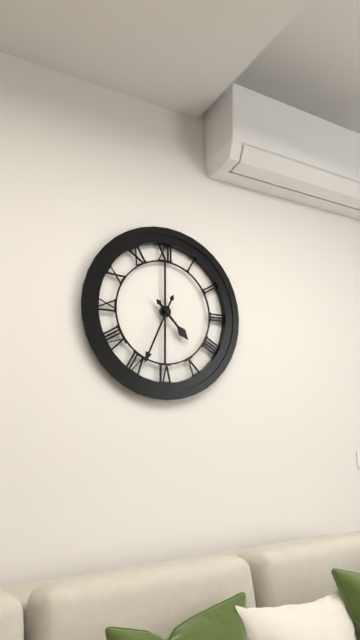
4:34
